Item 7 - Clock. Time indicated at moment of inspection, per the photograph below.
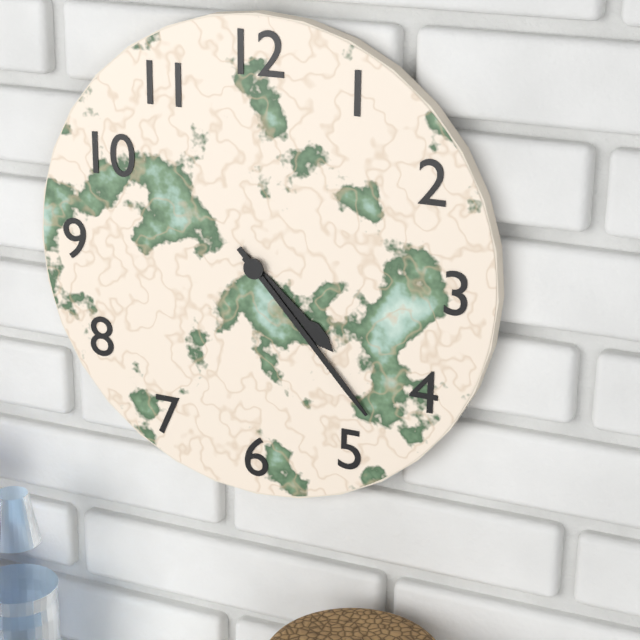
4:23
